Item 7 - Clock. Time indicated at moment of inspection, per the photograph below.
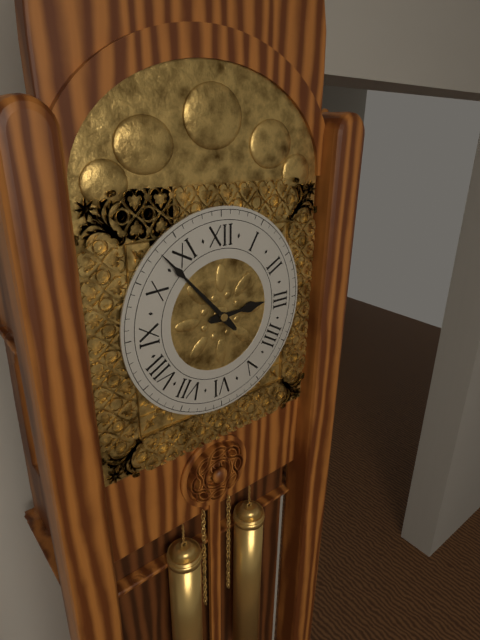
2:53
